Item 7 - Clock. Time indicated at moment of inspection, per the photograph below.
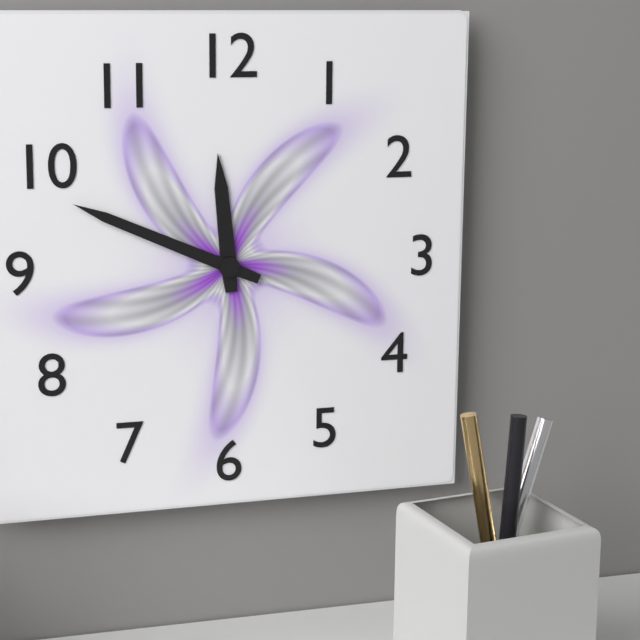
11:49
